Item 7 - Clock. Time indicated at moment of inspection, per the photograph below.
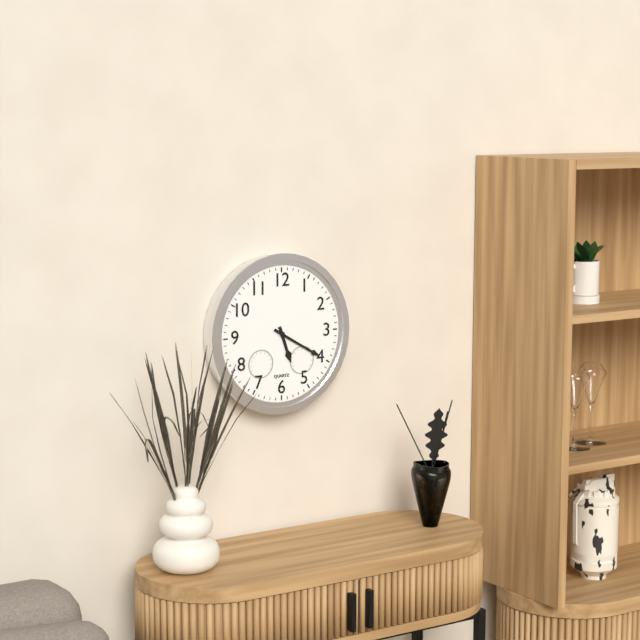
5:20
